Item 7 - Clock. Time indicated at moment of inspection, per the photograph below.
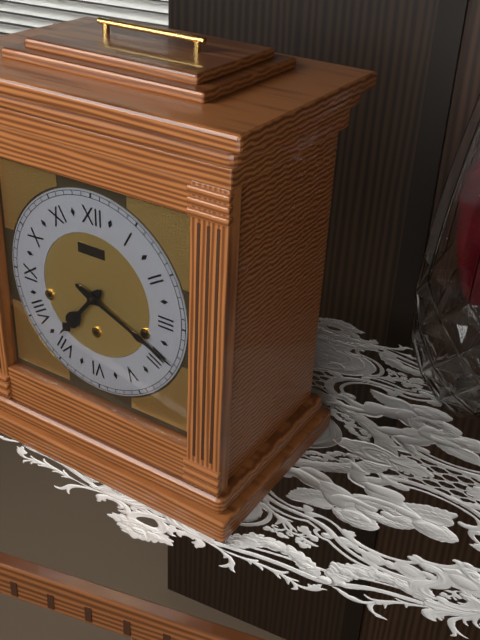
7:19
